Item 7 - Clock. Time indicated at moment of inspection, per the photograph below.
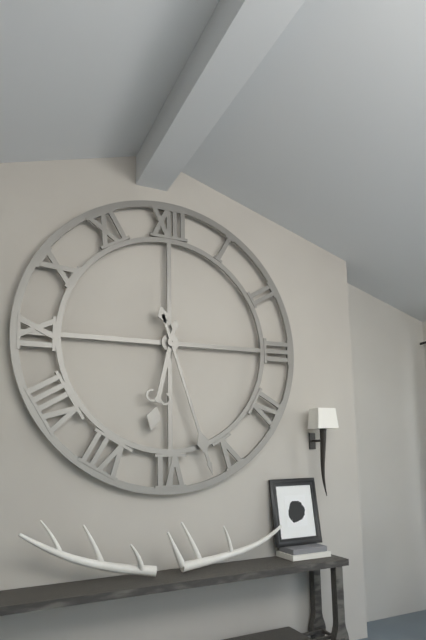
6:27
